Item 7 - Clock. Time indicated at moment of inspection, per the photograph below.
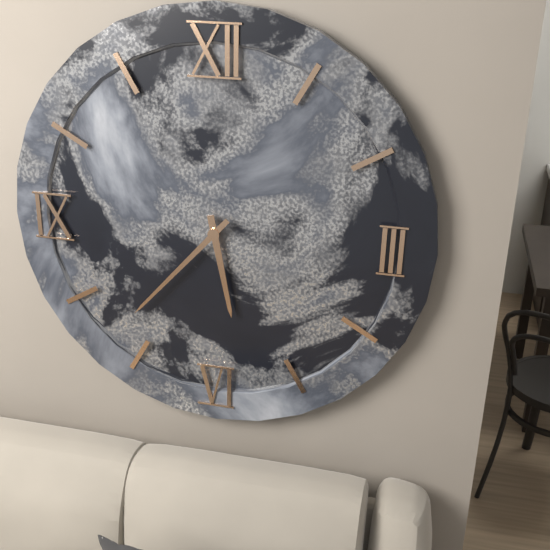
5:37
